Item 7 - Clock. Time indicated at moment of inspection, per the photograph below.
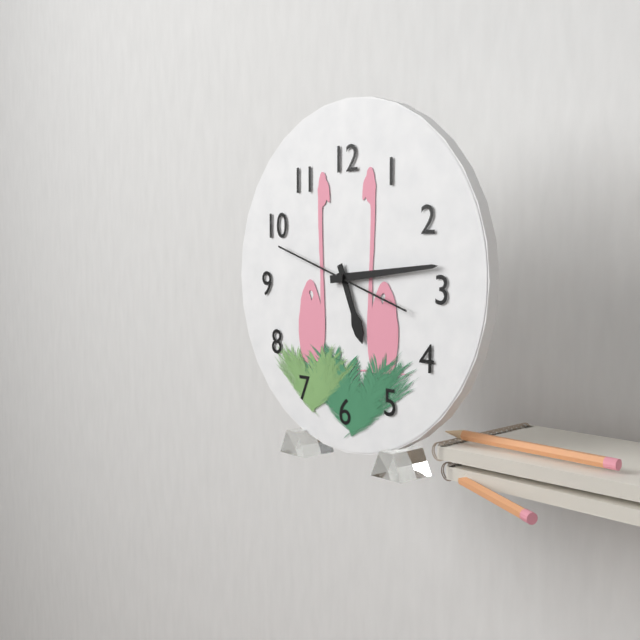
5:14:48
